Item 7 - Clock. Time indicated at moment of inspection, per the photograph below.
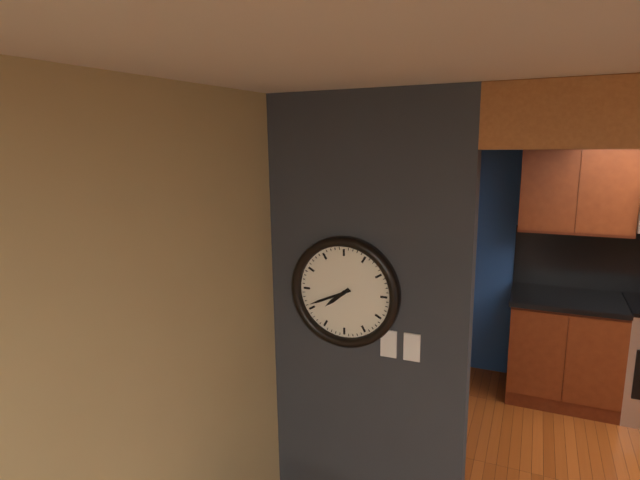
7:41
